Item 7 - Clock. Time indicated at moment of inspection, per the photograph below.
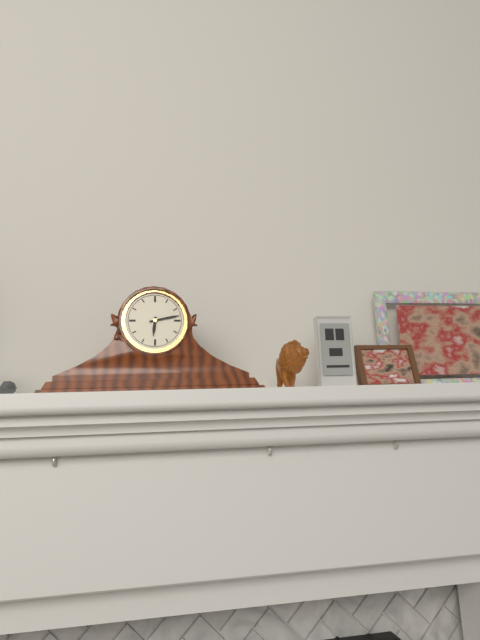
6:13
